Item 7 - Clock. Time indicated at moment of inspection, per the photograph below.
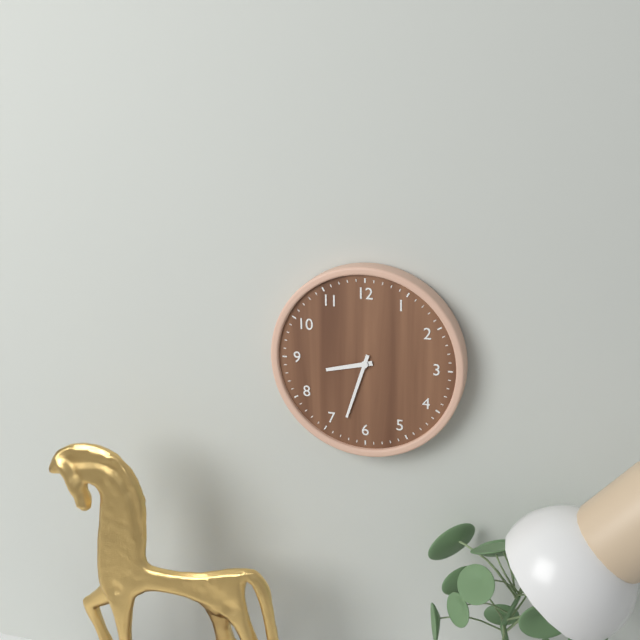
8:33
